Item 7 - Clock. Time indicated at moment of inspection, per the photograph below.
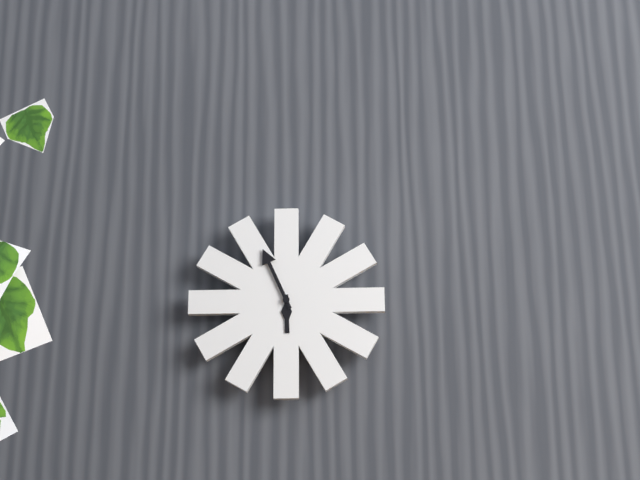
5:56
